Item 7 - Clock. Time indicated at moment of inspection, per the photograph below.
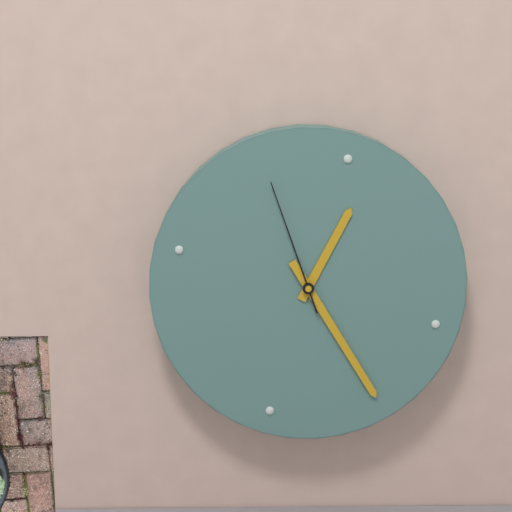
12:22:54
